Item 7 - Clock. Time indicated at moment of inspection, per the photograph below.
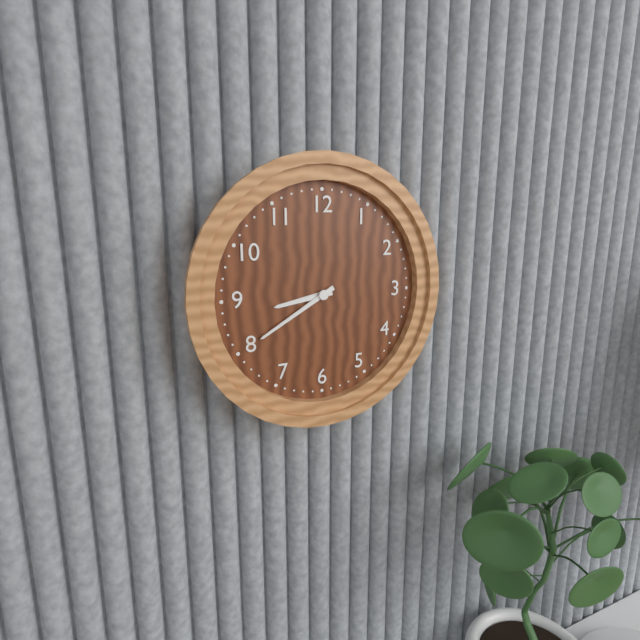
8:40
